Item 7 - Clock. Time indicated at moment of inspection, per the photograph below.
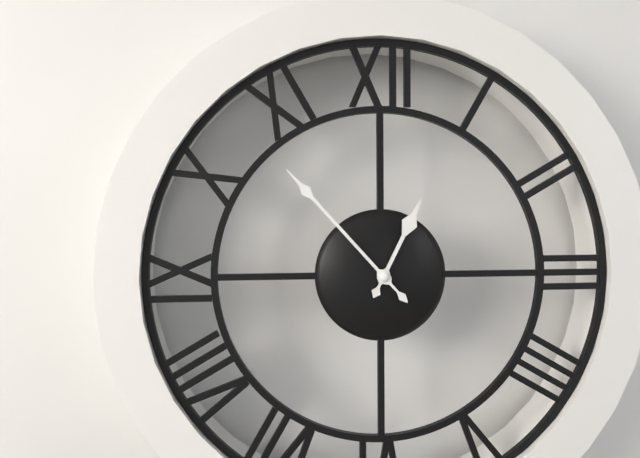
12:53
